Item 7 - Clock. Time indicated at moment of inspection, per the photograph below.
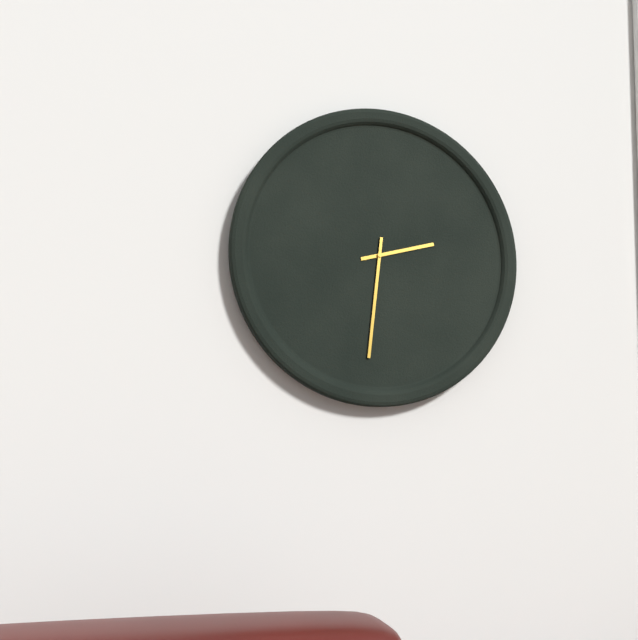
2:31
